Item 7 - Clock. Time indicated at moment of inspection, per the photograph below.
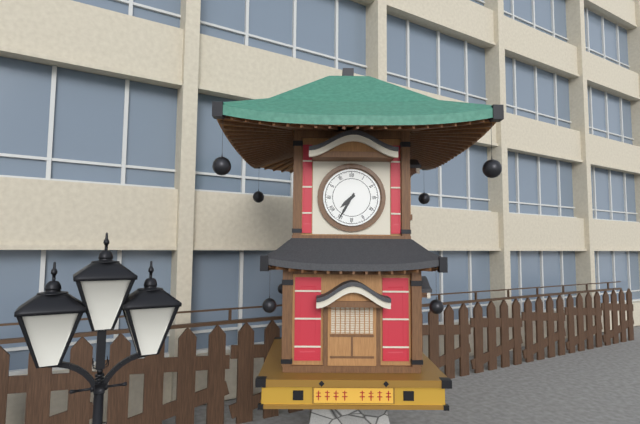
7:35
